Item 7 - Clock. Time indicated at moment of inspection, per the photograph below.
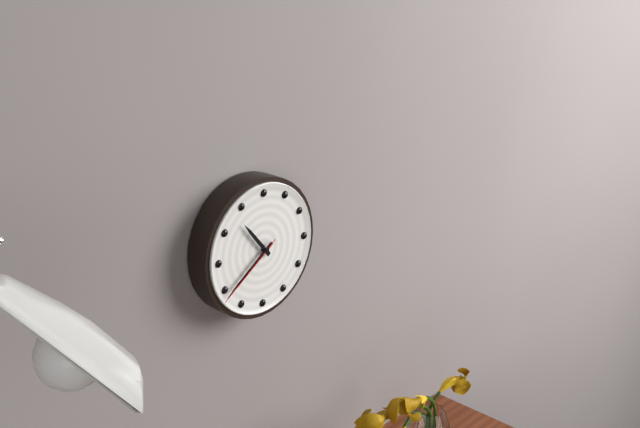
10:39:39
